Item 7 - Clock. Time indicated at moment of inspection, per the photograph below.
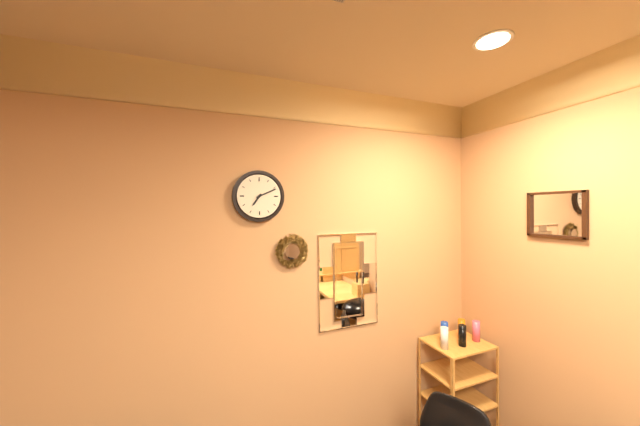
7:11
